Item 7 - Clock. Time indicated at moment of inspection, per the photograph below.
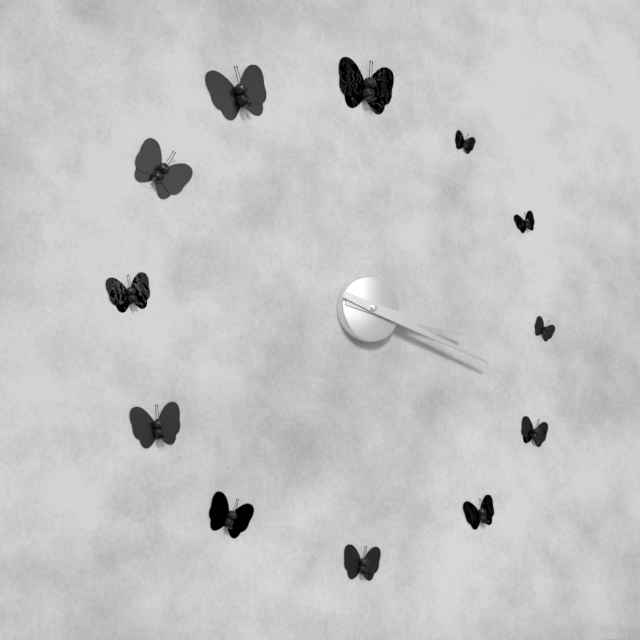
3:18
